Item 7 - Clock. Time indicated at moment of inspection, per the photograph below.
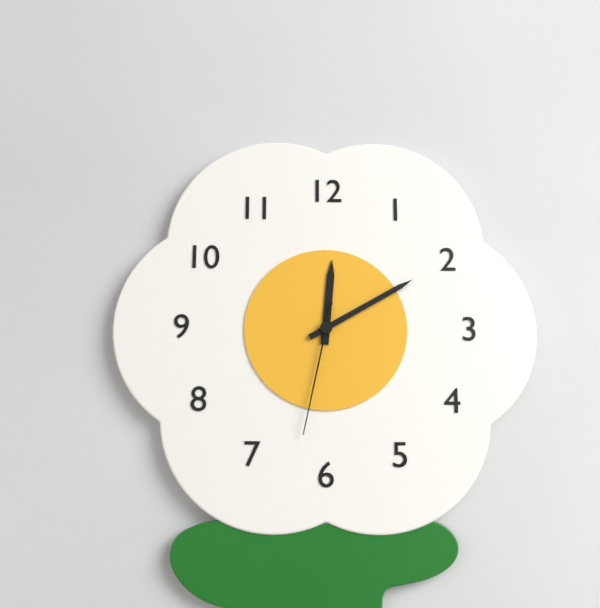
12:10:32
